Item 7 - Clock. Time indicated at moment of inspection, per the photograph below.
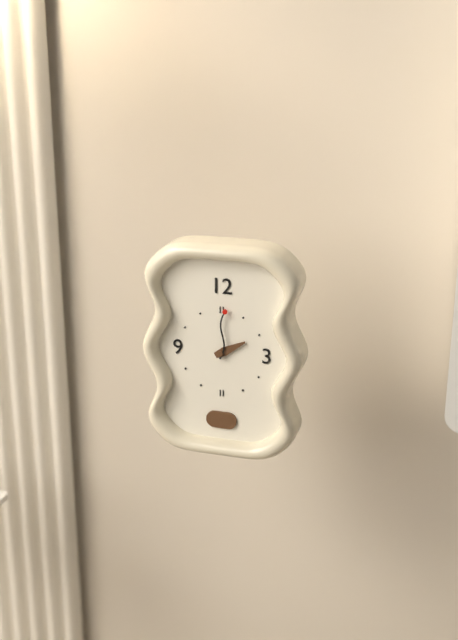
2:01
